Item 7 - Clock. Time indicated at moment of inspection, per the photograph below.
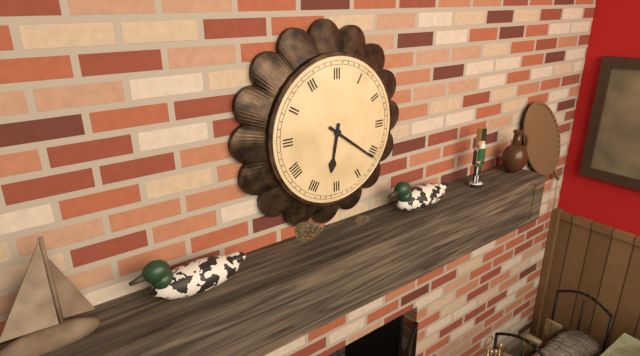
6:21
